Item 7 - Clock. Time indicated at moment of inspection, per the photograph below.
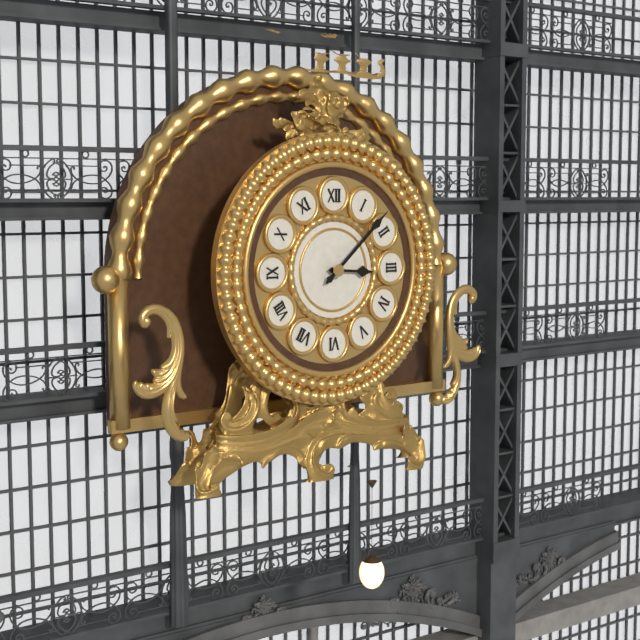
3:08
